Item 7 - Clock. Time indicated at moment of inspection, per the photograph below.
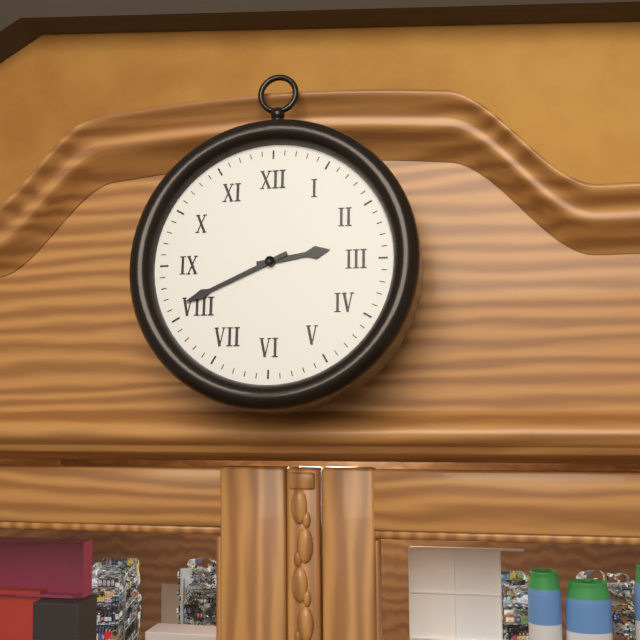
2:41
